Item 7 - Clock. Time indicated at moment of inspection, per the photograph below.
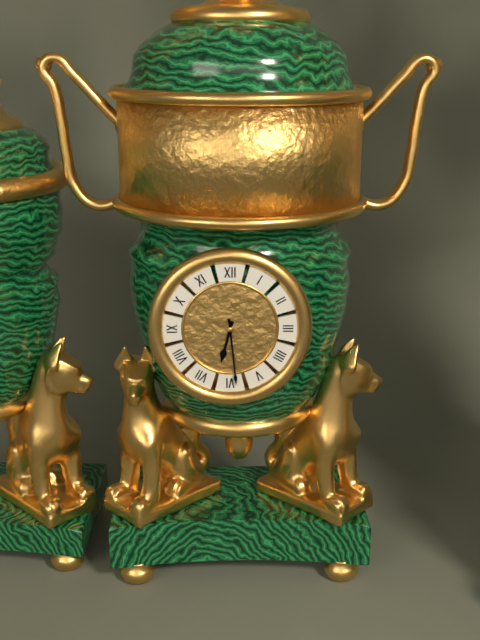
6:29
